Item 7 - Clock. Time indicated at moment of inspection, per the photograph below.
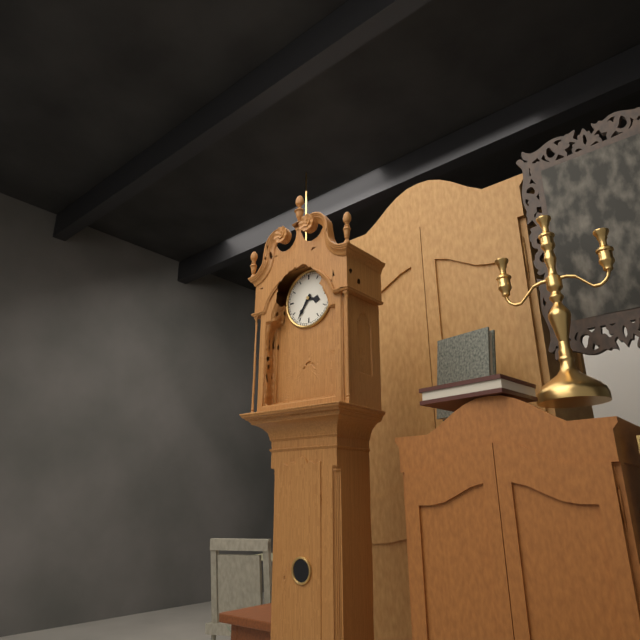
3:36
